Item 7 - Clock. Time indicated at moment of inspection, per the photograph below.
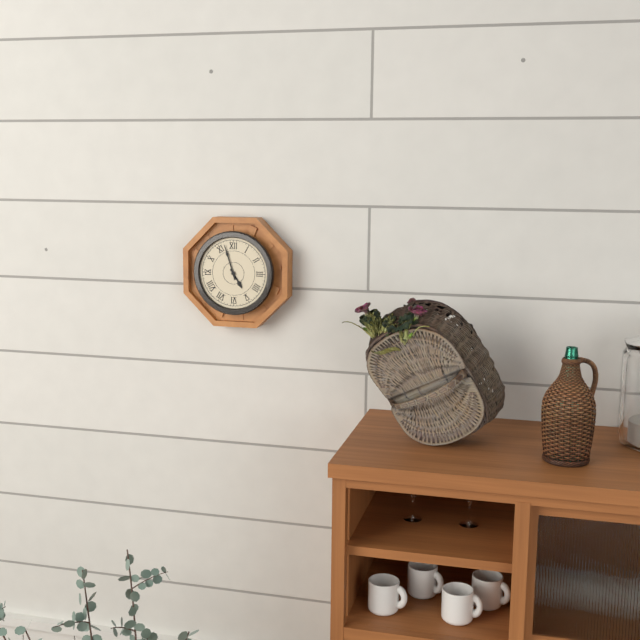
4:57
